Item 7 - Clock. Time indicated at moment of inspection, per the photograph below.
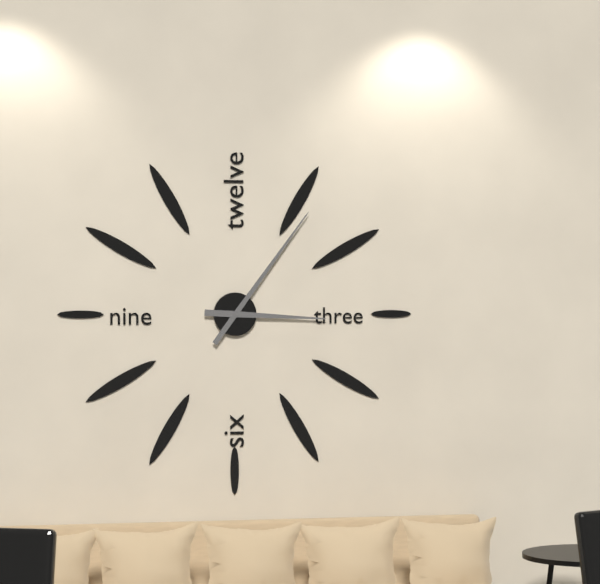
3:06
